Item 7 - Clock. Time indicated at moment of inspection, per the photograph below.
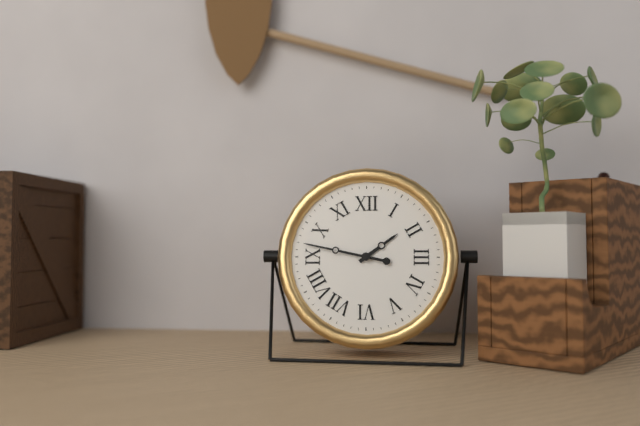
1:47
